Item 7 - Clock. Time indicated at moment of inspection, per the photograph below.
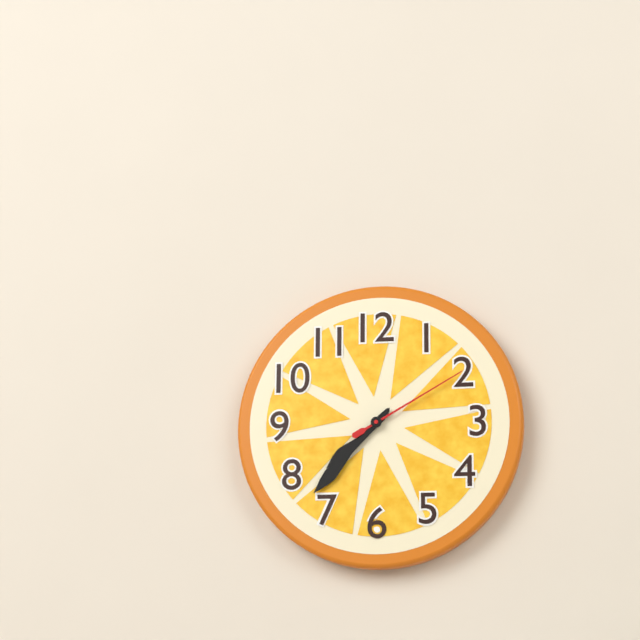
7:37:10
